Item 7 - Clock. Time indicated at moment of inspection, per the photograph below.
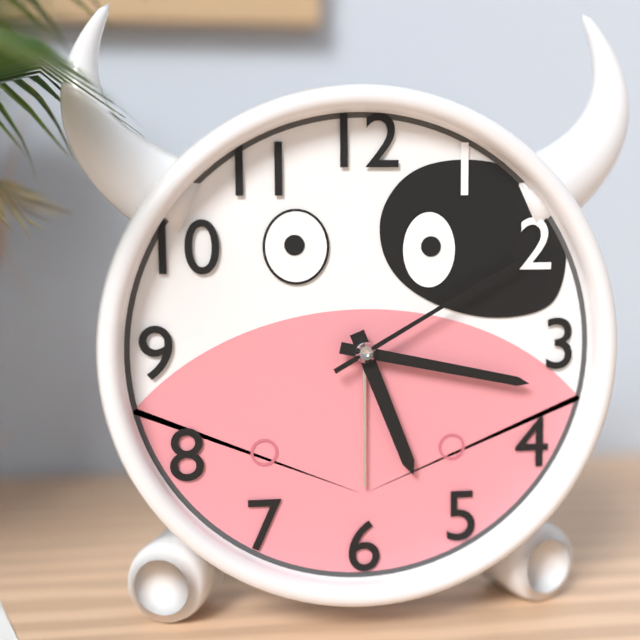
5:17:10
